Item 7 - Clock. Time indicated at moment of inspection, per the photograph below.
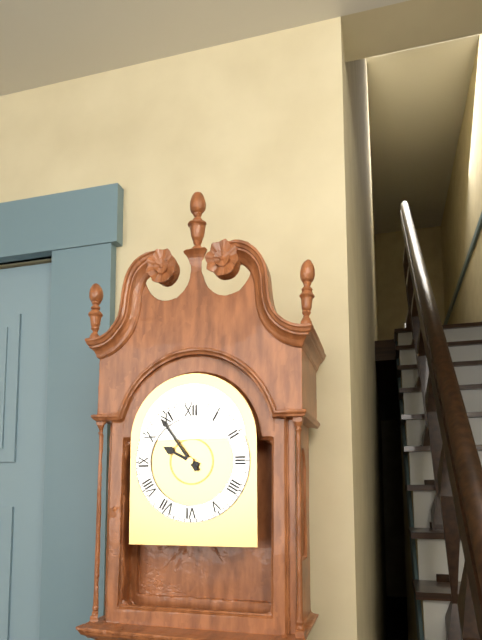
9:54
